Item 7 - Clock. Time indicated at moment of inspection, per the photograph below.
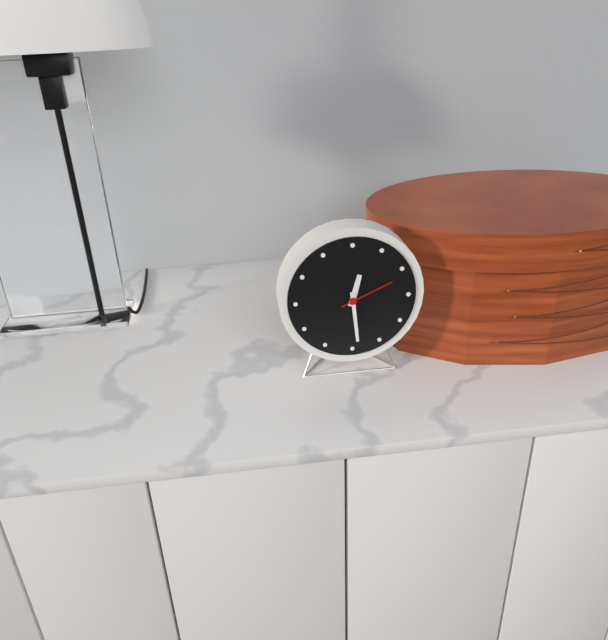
12:29:11
